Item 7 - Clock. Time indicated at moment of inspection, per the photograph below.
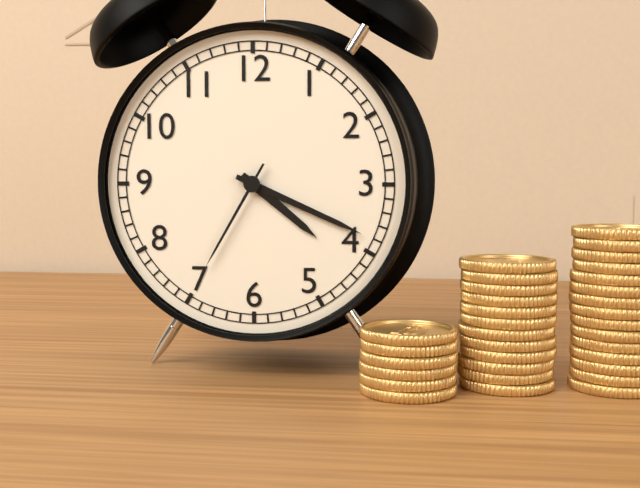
4:19:35
